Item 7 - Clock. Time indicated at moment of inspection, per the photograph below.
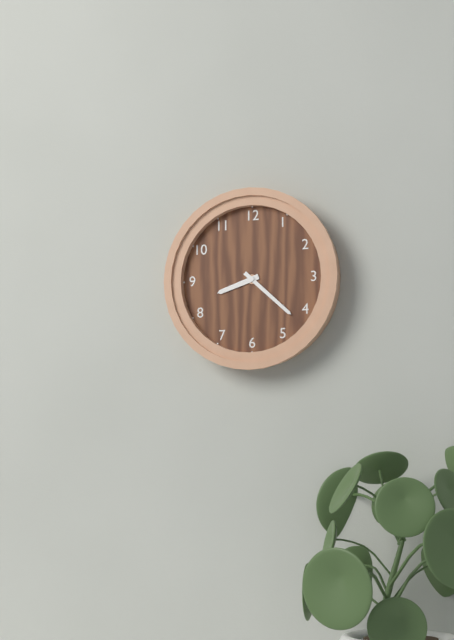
8:22
